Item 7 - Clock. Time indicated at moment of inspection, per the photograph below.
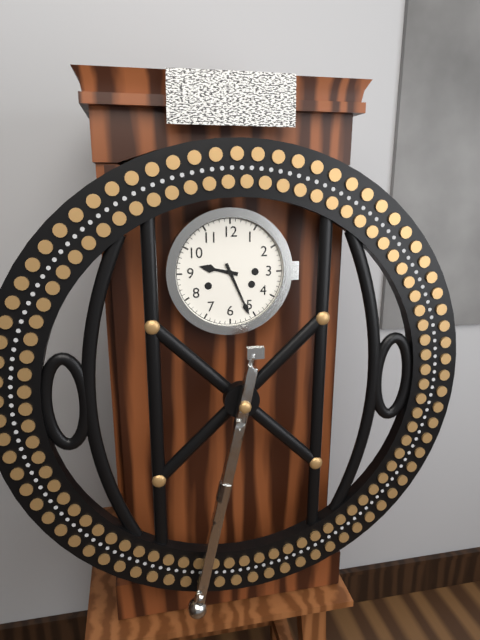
9:26
